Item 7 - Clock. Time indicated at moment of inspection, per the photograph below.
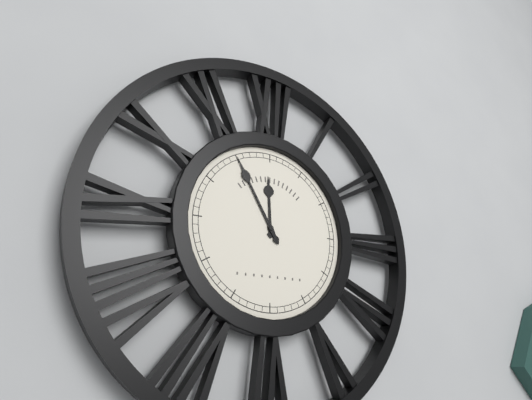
11:55
